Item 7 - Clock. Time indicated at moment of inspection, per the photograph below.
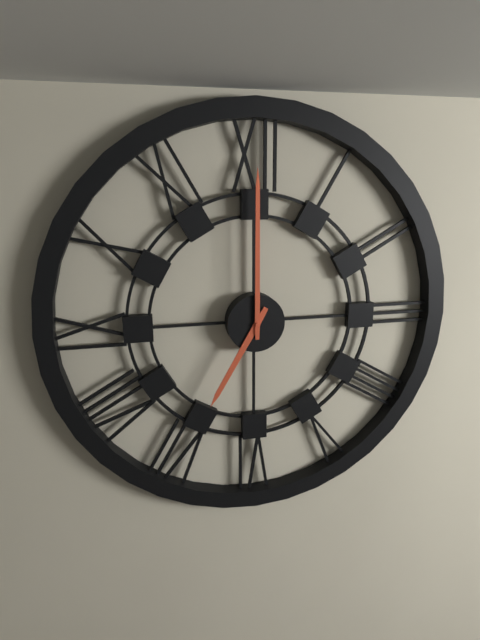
7:00
